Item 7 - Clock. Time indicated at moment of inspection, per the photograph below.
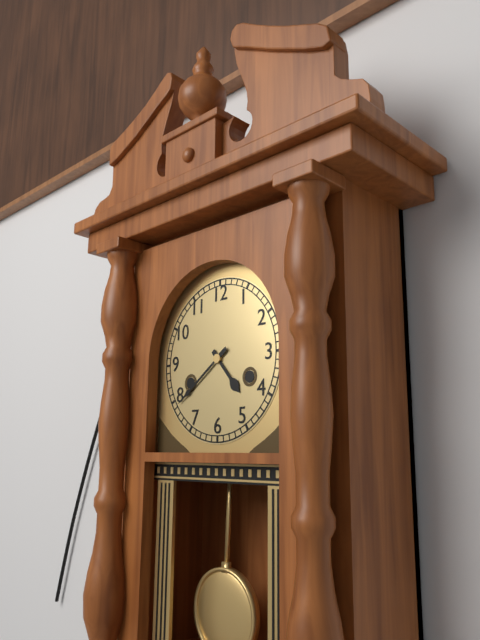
4:39
